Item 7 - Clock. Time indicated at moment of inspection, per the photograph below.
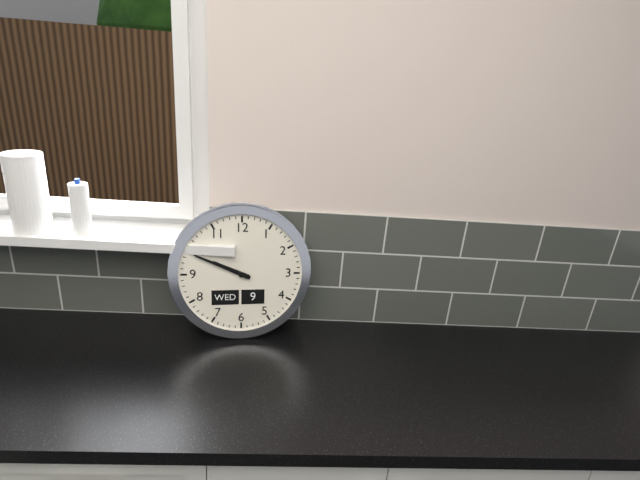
9:49
